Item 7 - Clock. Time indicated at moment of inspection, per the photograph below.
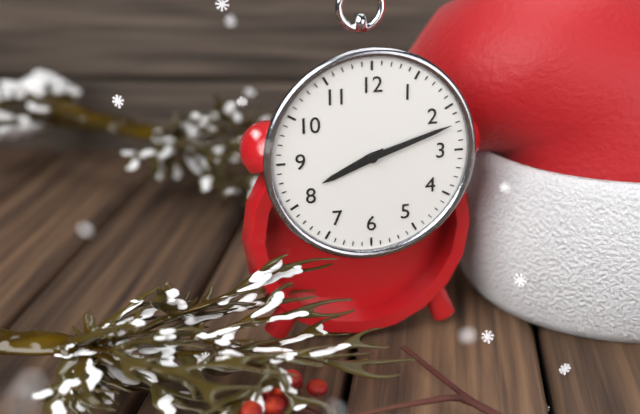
8:12
